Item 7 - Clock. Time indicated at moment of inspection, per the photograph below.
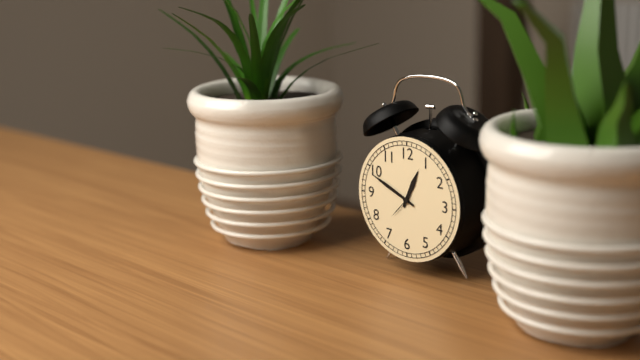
12:49
